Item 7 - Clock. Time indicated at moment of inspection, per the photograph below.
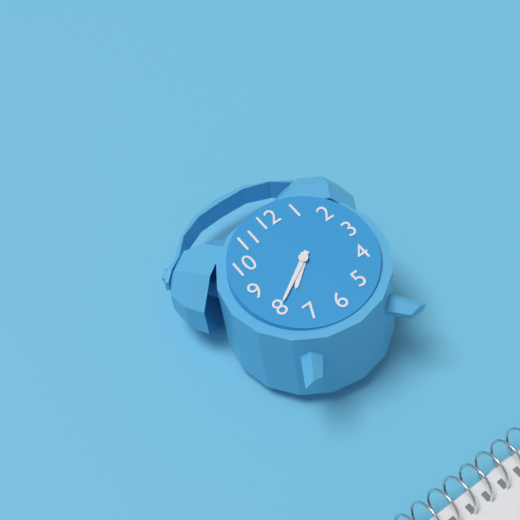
7:40
